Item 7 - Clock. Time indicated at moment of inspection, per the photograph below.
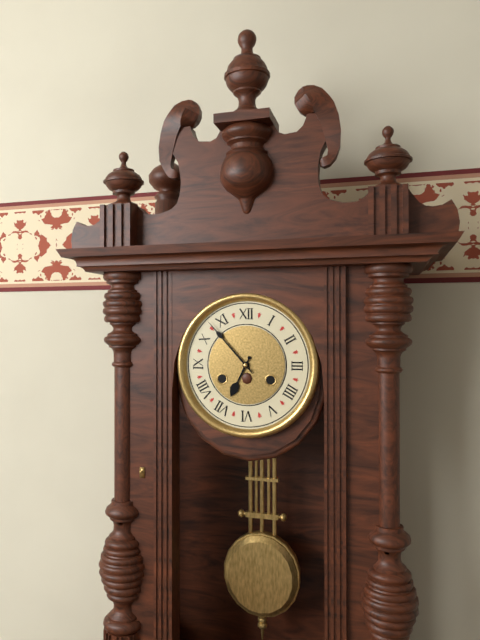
6:53
